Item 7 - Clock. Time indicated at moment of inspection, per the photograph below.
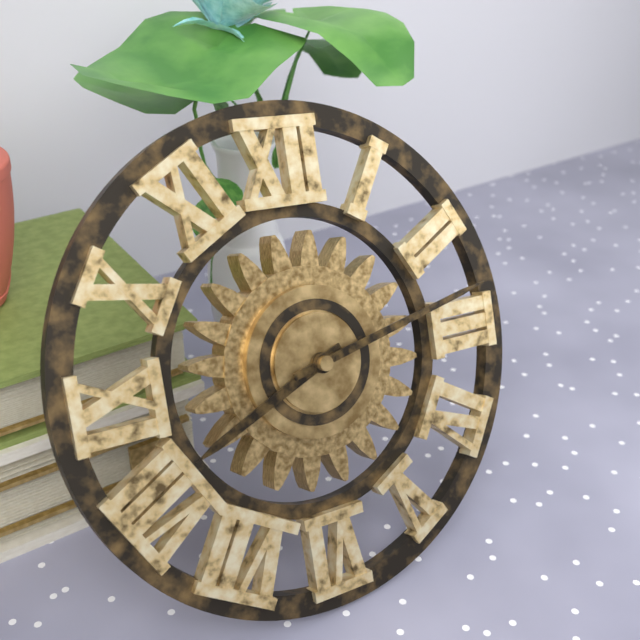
8:13
